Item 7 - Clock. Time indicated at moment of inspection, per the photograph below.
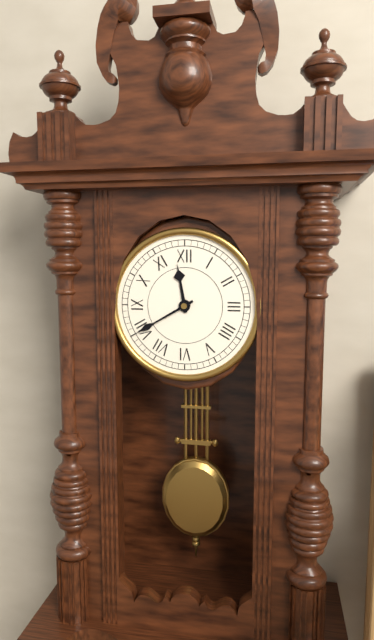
11:40
